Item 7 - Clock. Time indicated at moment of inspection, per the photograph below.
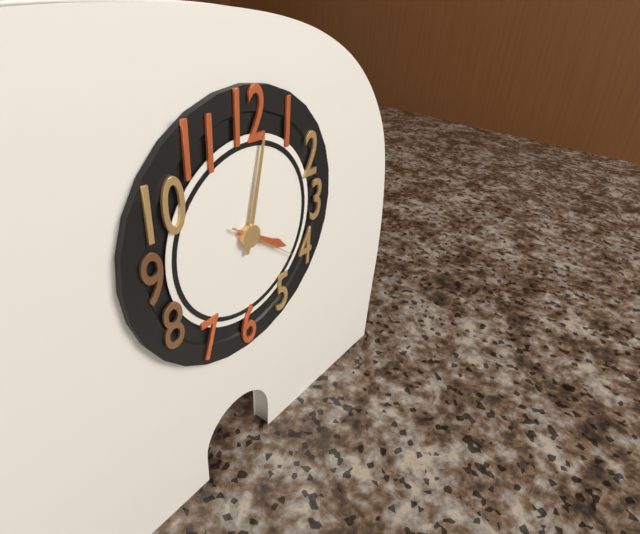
4:02:21
